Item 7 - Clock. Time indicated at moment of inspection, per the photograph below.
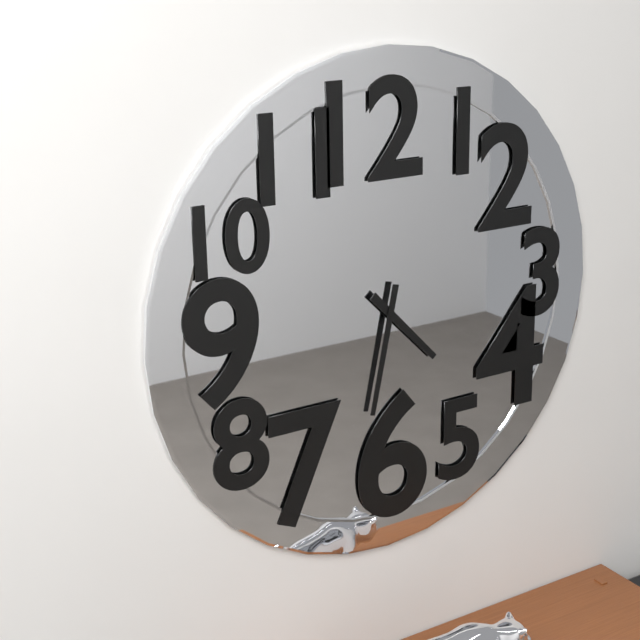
4:32
